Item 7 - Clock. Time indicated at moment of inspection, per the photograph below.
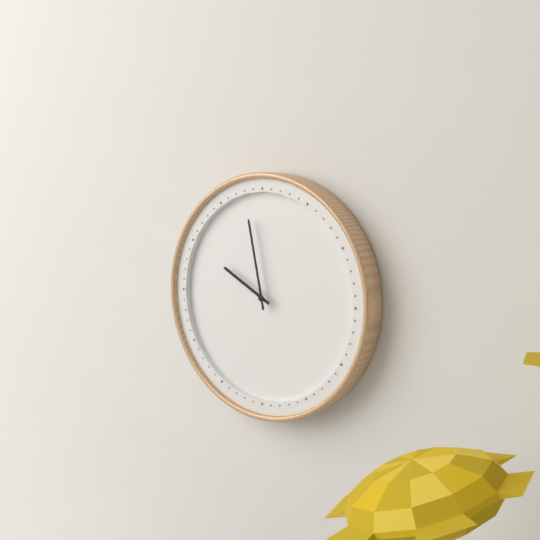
9:58
